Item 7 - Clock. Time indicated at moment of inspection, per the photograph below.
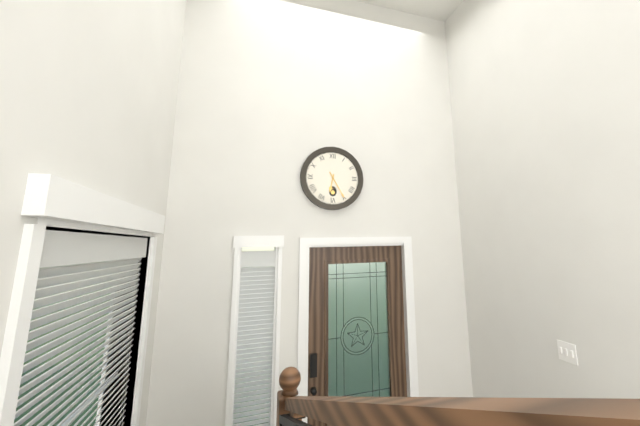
6:25
